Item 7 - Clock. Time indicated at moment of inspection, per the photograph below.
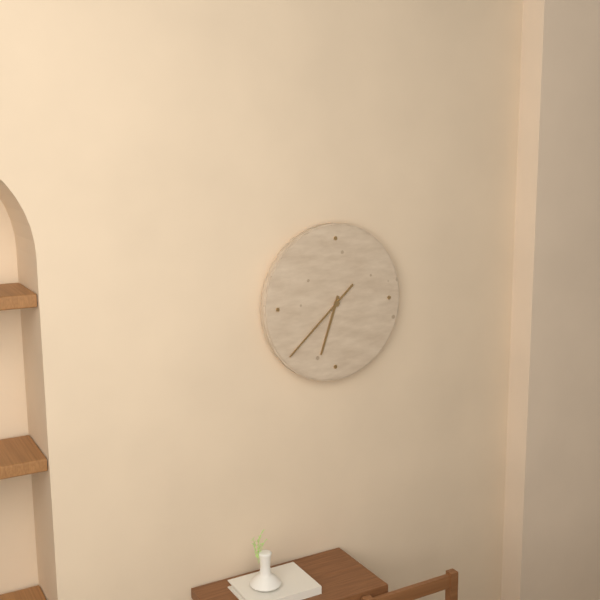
6:38
